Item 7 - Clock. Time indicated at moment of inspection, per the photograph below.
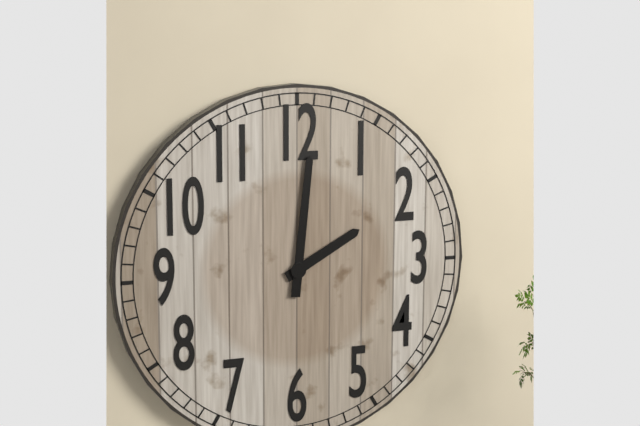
2:01
